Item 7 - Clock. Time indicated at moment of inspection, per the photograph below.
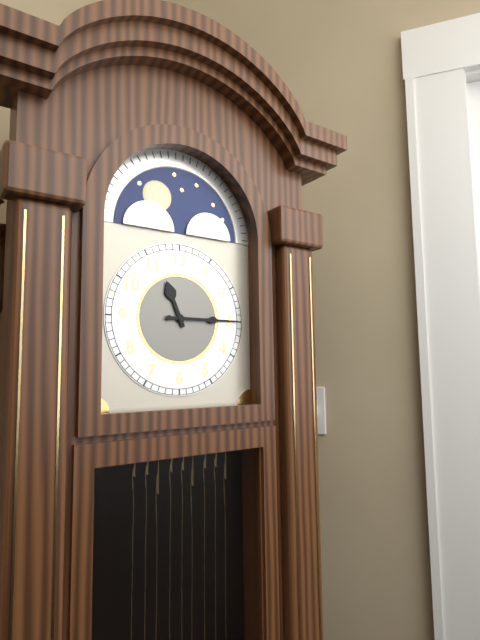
11:15
